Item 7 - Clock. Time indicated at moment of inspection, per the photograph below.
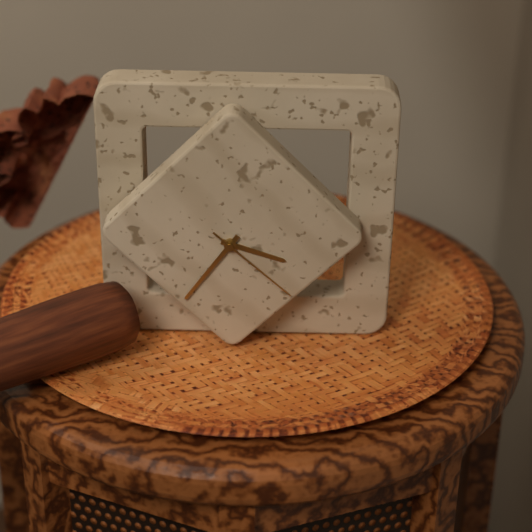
3:36:22
